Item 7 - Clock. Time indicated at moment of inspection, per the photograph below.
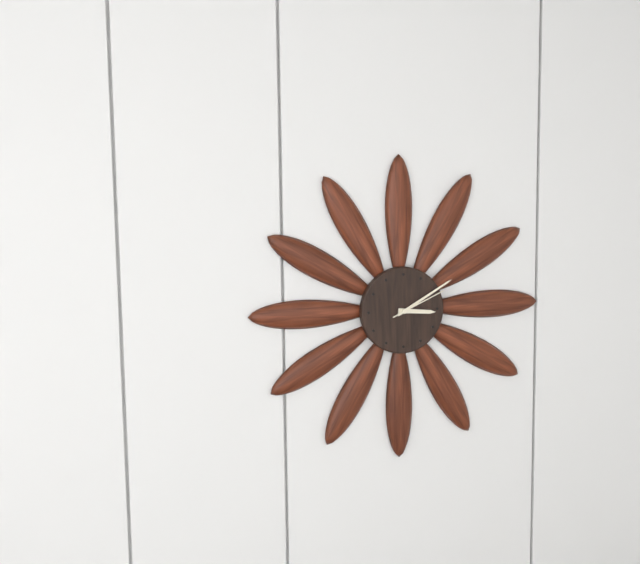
3:10:11
